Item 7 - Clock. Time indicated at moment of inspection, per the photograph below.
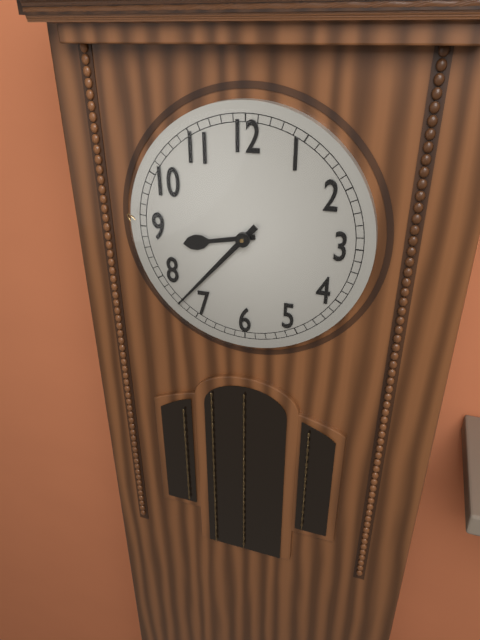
8:37
